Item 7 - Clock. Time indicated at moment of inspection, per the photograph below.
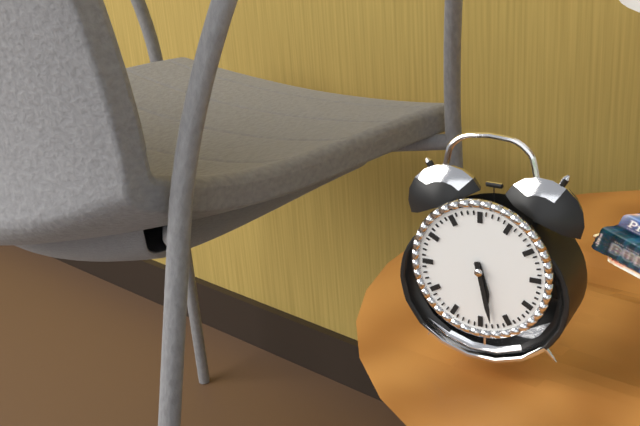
5:28
